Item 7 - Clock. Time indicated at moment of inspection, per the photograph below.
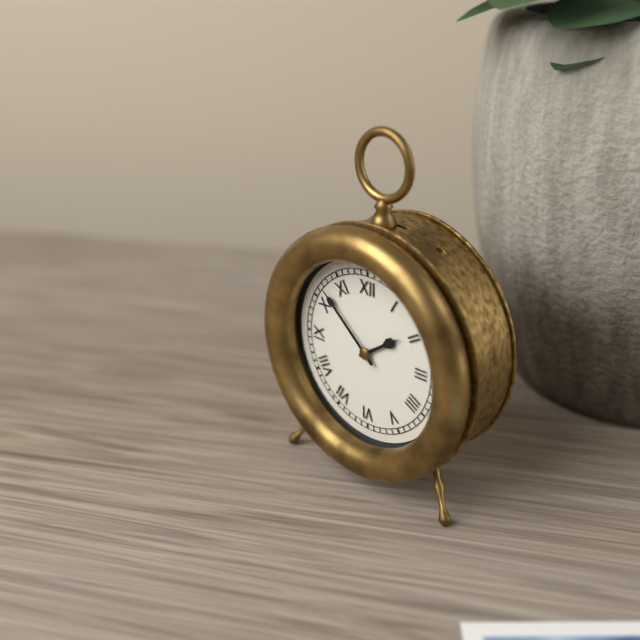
1:52
